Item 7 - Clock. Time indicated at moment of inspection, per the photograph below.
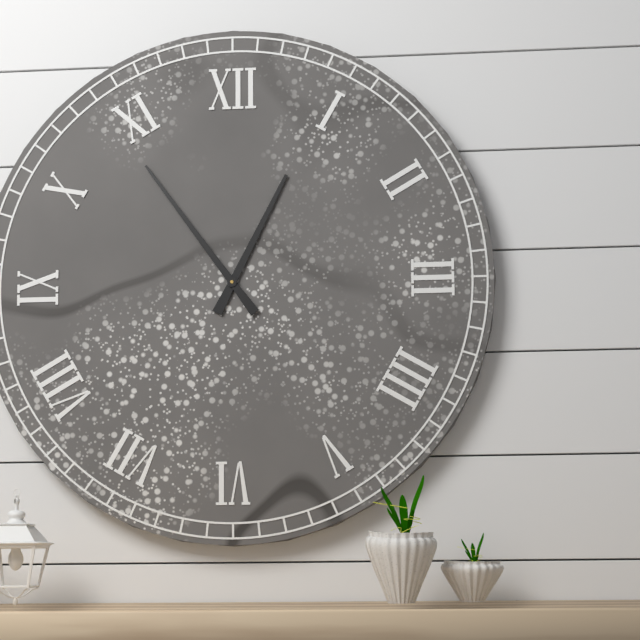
12:54
